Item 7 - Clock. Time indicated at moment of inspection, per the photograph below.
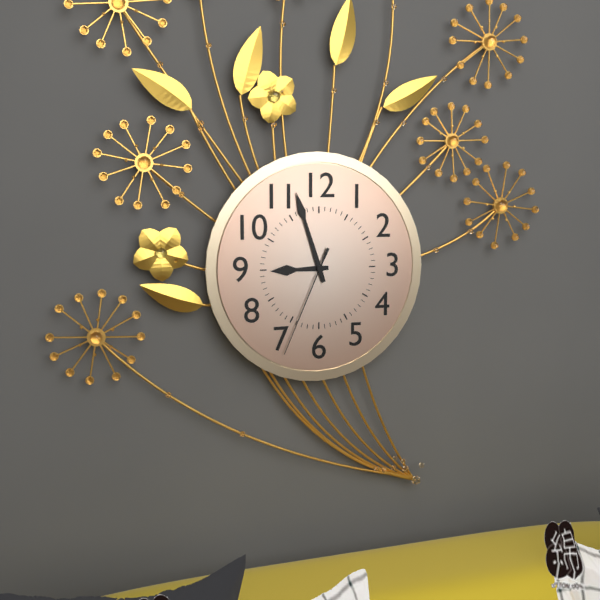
8:57:34
